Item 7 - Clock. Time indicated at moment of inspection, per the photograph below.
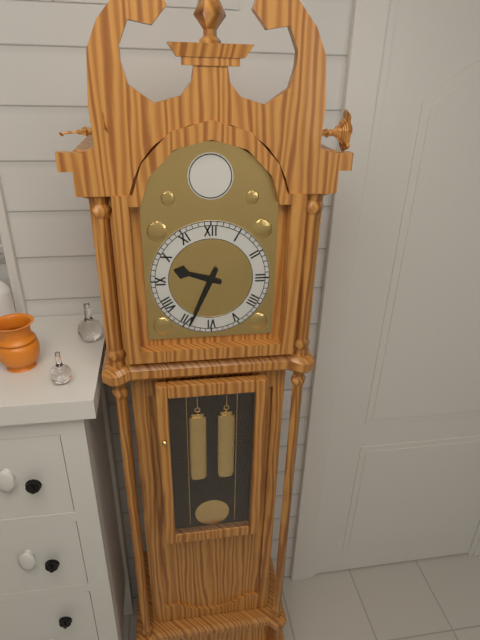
9:34
